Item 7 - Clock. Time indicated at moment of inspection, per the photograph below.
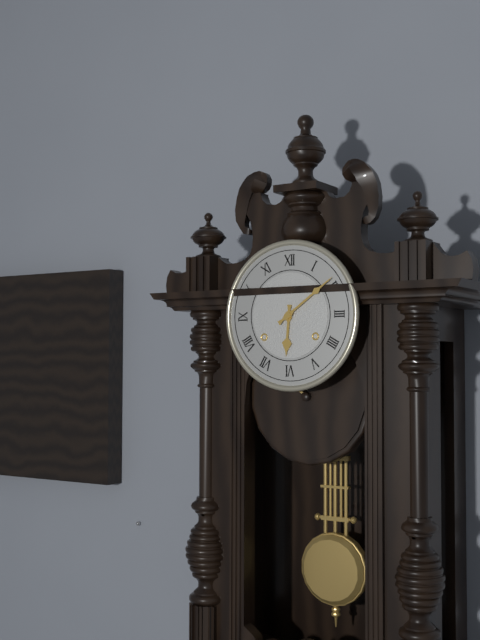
6:09
